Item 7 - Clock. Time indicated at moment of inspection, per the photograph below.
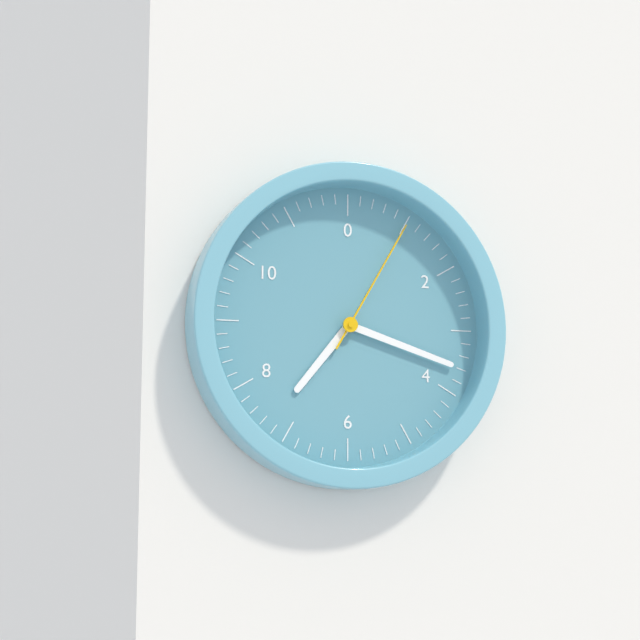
7:18:05
